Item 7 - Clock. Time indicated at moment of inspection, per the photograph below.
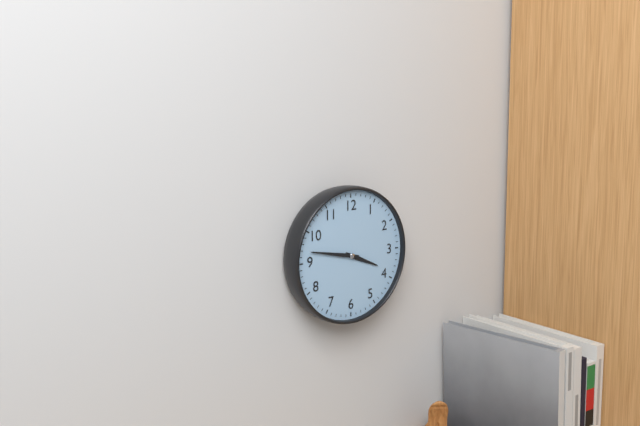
3:47
